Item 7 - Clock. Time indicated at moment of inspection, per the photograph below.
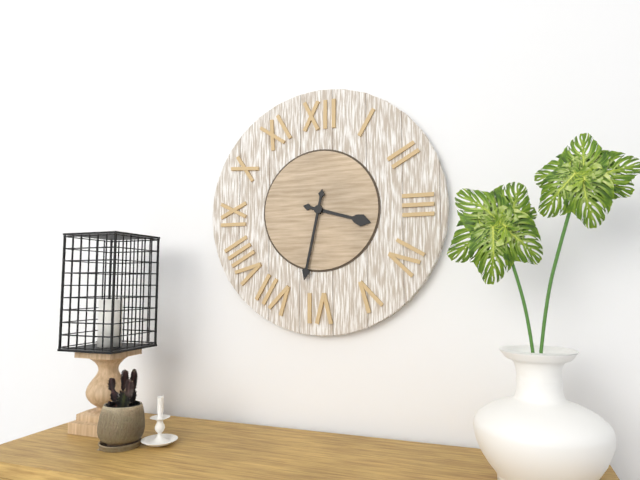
3:32
